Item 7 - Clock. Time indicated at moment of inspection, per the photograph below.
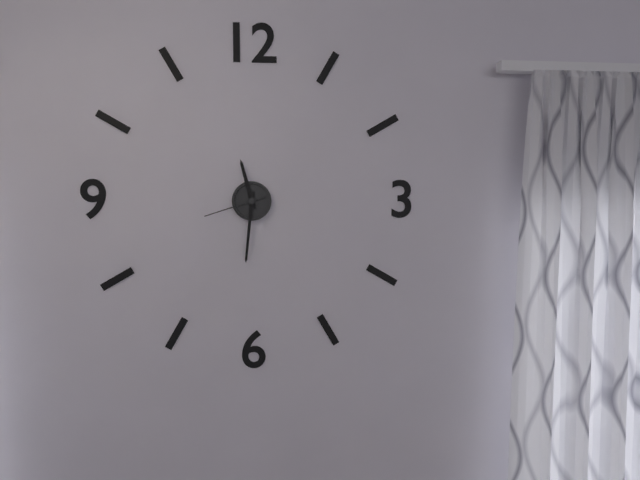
11:31:42
